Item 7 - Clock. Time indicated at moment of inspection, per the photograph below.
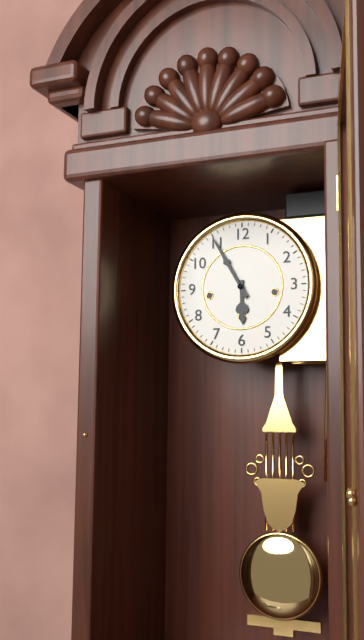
5:55
